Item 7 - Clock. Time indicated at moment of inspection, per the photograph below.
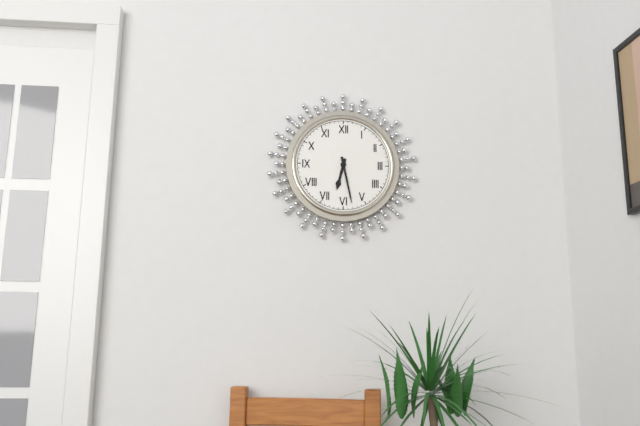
6:28
